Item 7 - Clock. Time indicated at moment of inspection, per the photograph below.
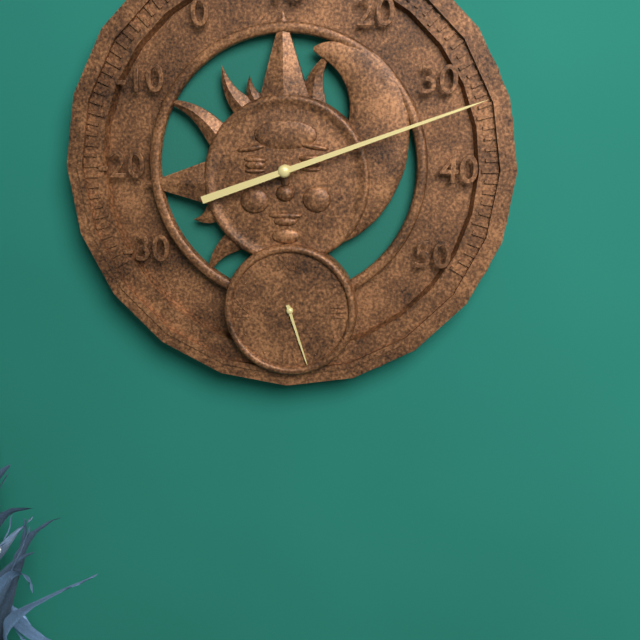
5:27
